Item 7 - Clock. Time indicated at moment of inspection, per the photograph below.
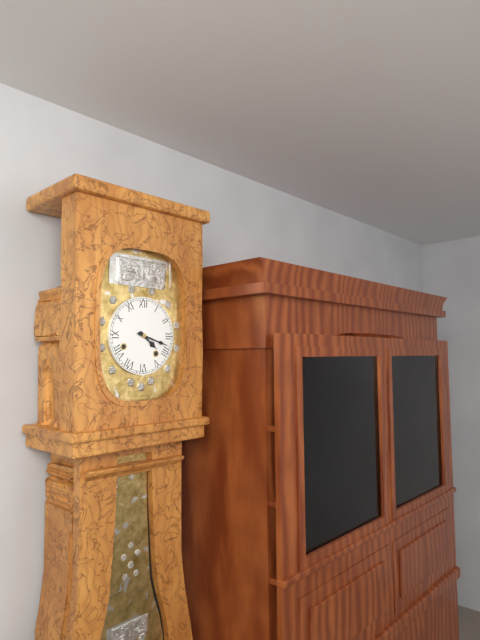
4:18
